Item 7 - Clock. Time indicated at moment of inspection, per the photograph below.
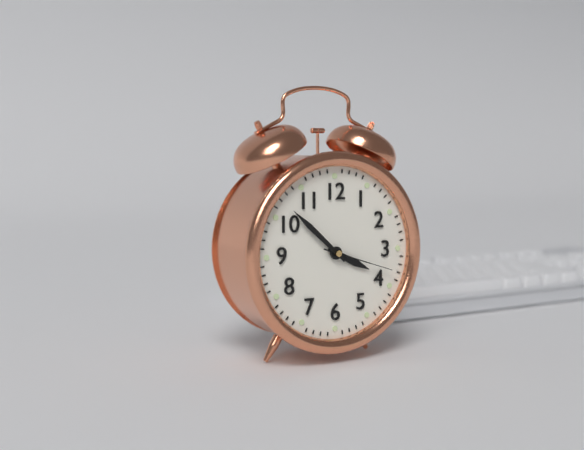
3:52:18
